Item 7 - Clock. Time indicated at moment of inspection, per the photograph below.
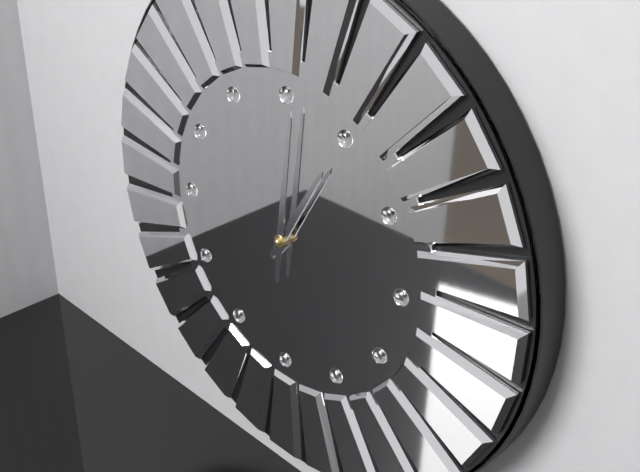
1:01
